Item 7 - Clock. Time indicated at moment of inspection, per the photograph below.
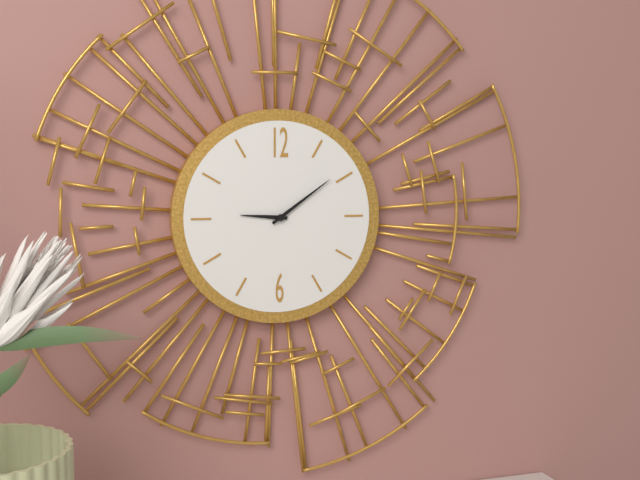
9:09
